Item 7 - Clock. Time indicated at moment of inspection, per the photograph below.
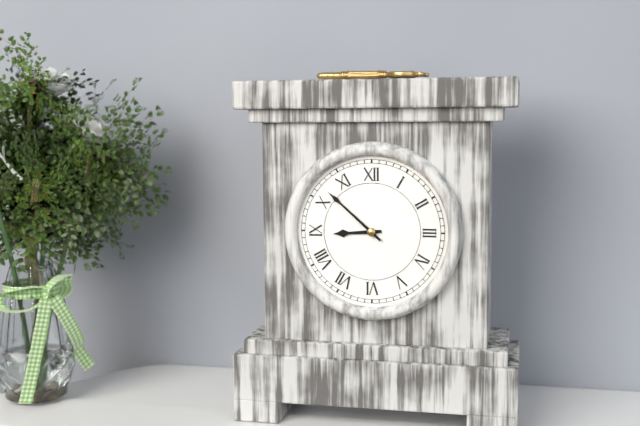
8:52
